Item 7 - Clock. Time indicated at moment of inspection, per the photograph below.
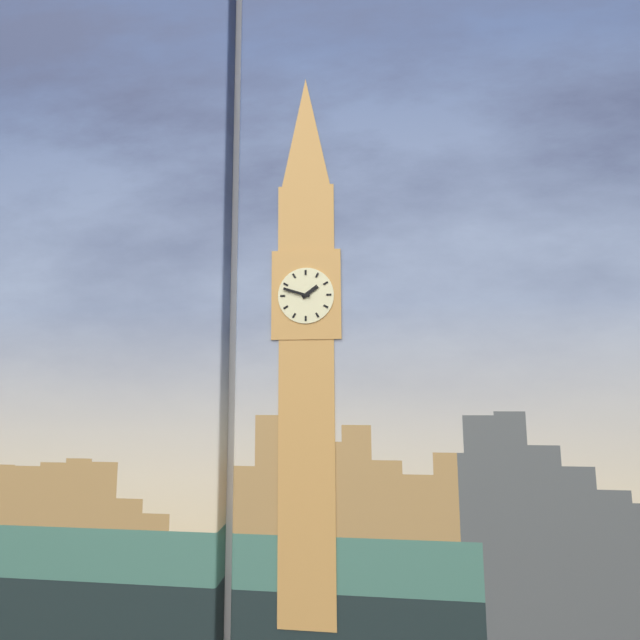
1:48
